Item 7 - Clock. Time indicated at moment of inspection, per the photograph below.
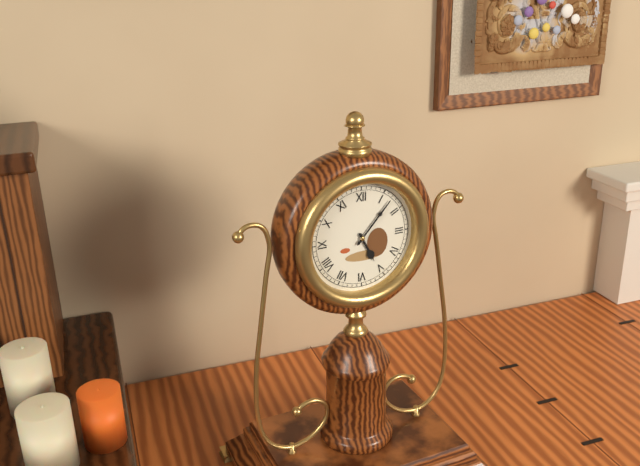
5:07
